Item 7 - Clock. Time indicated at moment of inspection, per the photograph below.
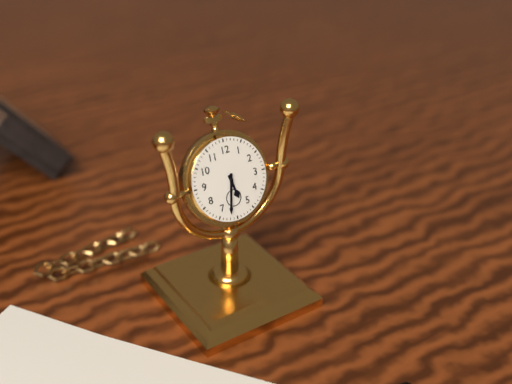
5:32
